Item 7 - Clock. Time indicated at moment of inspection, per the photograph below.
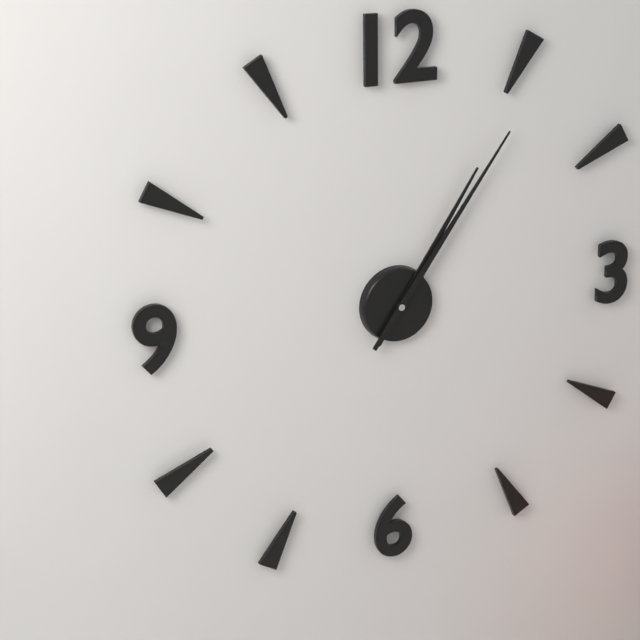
1:06
